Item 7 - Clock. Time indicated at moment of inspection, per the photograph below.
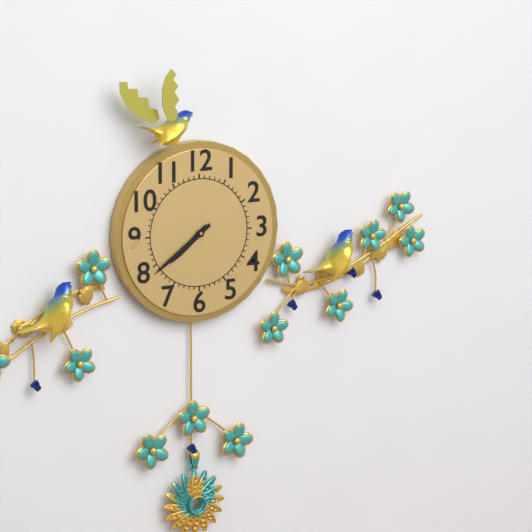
7:39
